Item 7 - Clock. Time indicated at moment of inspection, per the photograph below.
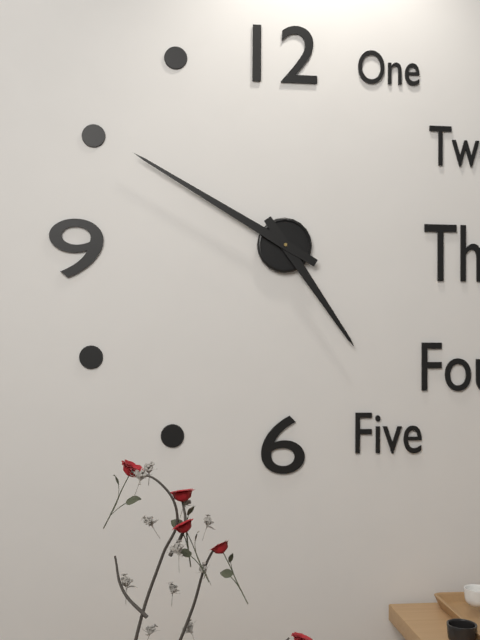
4:50
